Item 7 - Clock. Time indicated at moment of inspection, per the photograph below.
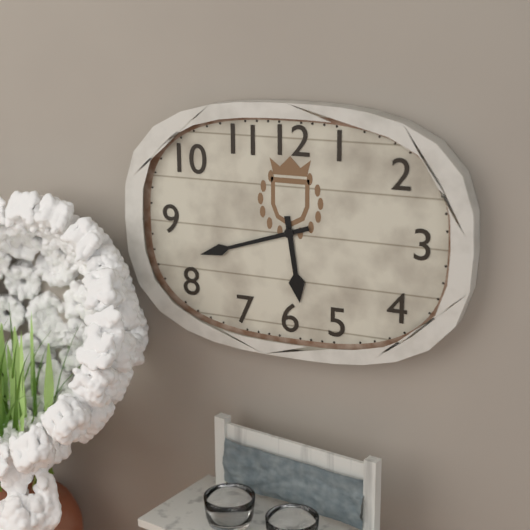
5:42
